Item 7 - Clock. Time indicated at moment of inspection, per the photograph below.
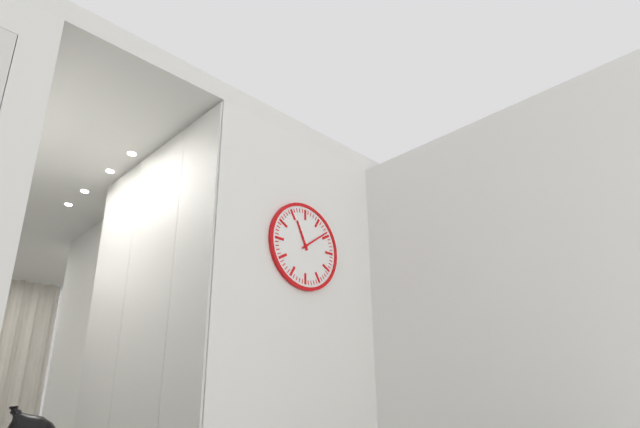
11:09
